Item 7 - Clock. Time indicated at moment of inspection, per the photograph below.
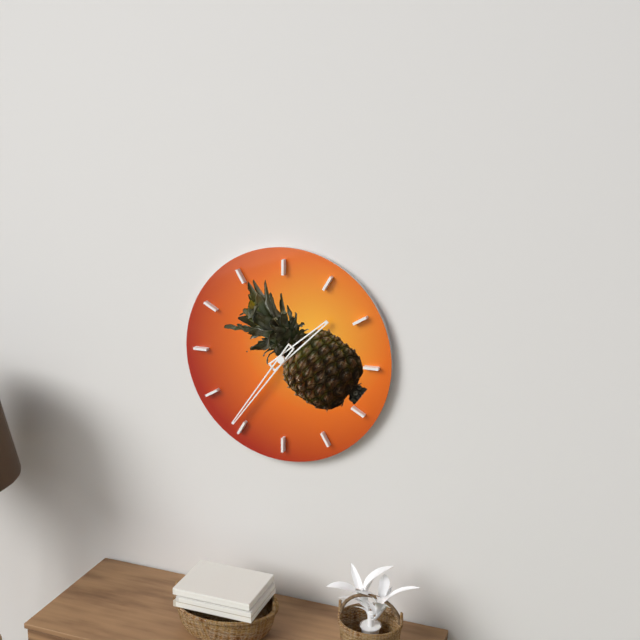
1:36
